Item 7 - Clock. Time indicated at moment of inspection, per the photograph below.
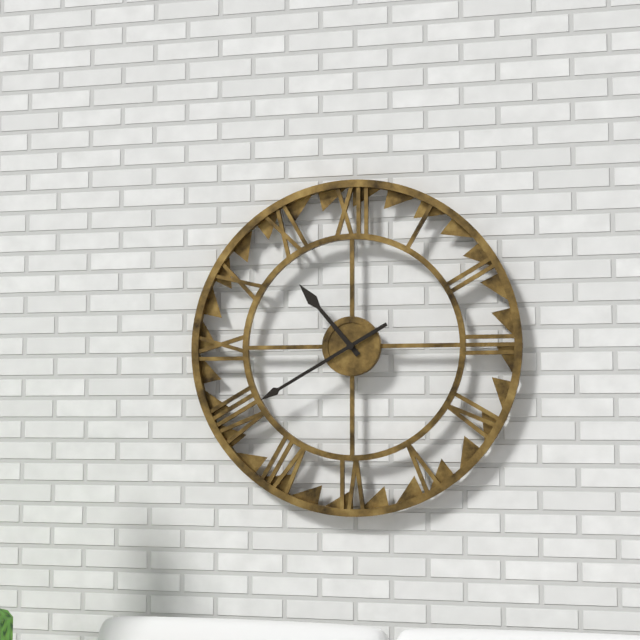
10:40
